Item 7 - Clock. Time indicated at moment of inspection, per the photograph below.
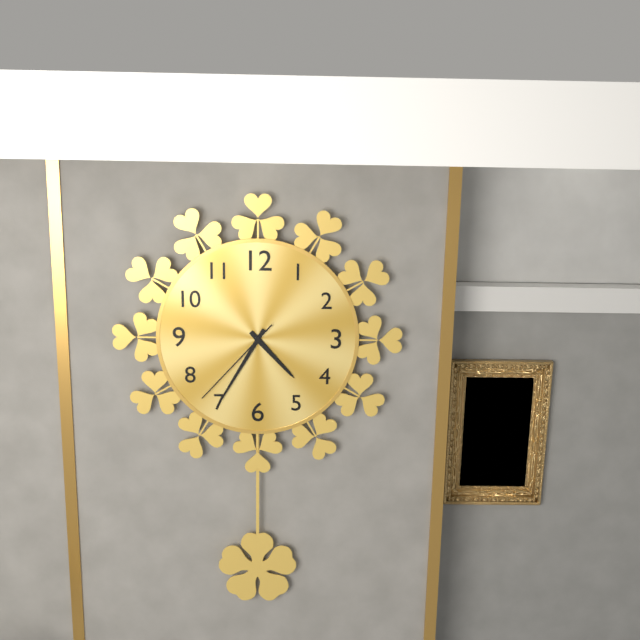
4:35:37
